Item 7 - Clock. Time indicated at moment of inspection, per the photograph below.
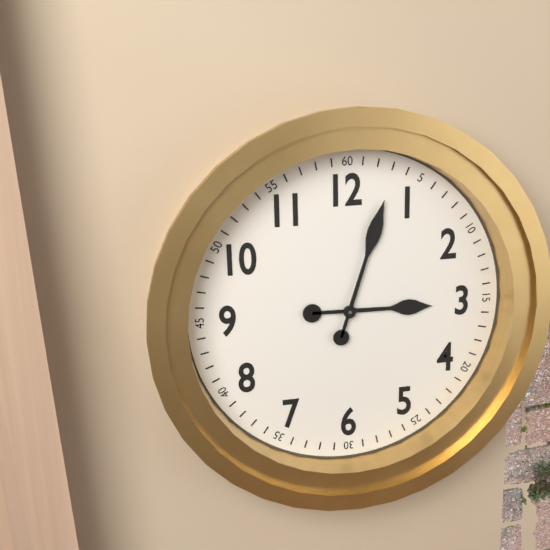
3:03
